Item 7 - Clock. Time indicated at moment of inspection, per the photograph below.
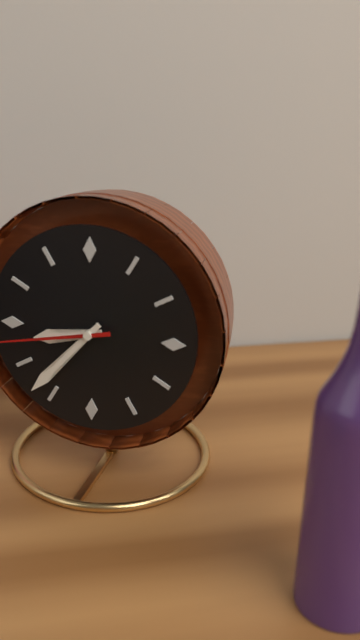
8:37
